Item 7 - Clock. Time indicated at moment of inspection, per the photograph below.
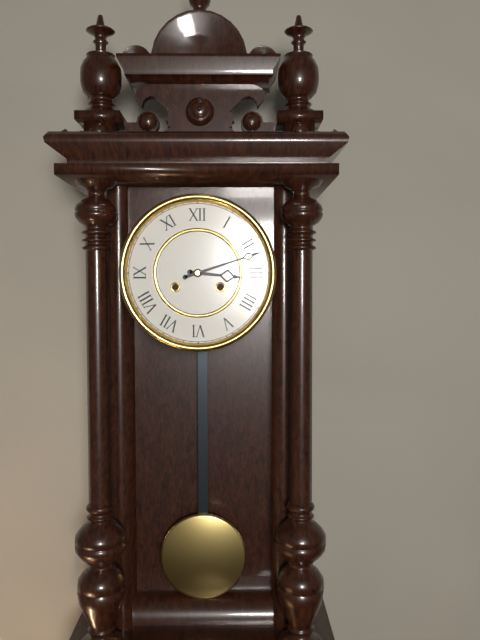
3:12
